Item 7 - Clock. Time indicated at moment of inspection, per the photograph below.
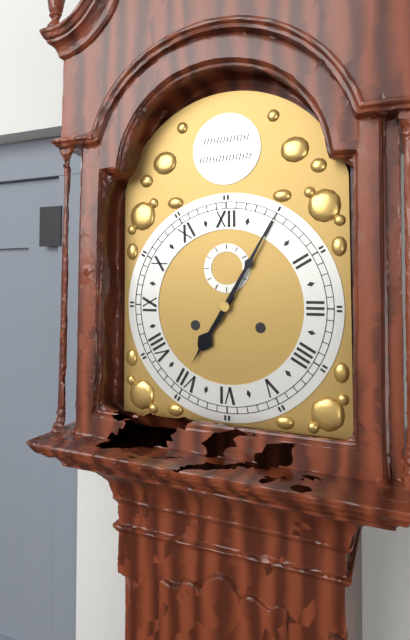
7:05
